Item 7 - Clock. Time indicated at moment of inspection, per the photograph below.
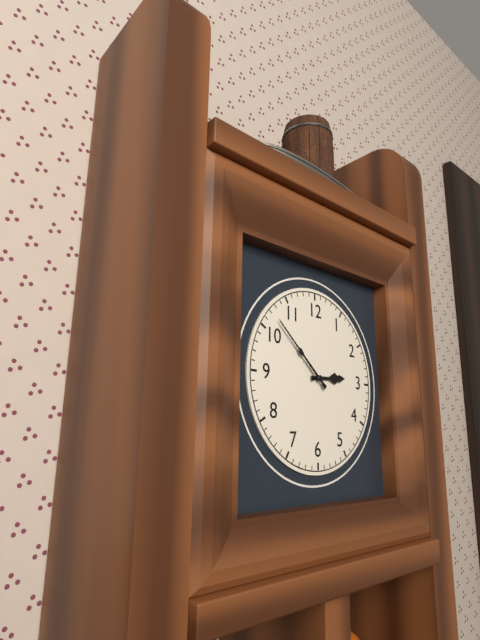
2:52
